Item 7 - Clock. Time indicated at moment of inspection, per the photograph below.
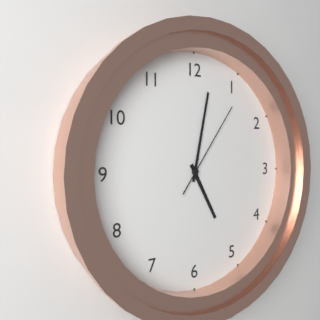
5:02:06
